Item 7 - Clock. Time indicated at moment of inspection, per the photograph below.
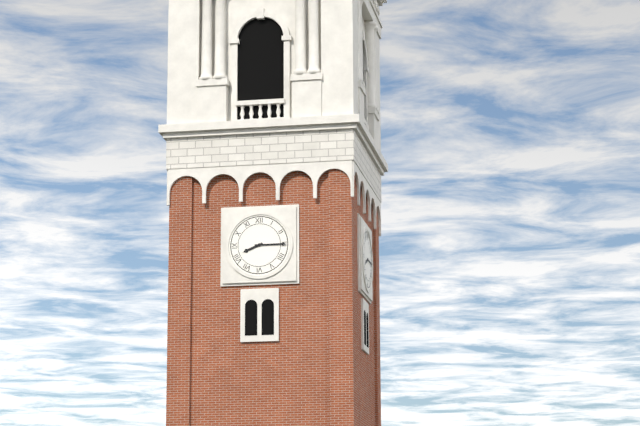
8:15
